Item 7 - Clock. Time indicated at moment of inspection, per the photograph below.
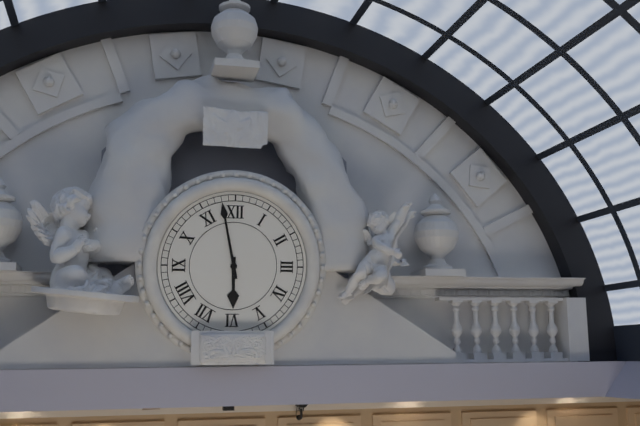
5:58
